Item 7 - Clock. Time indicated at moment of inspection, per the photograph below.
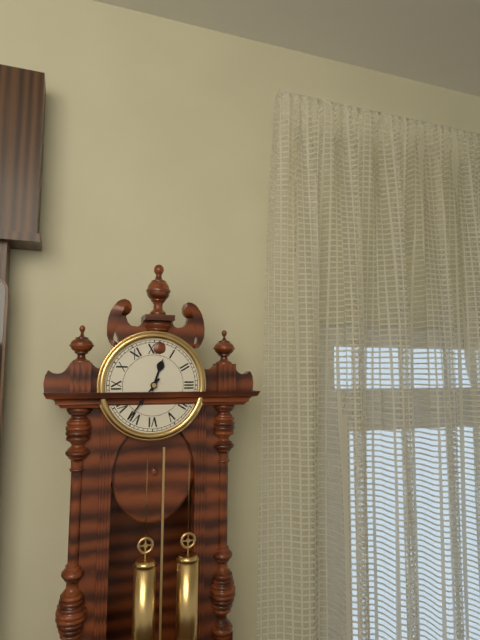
12:36
